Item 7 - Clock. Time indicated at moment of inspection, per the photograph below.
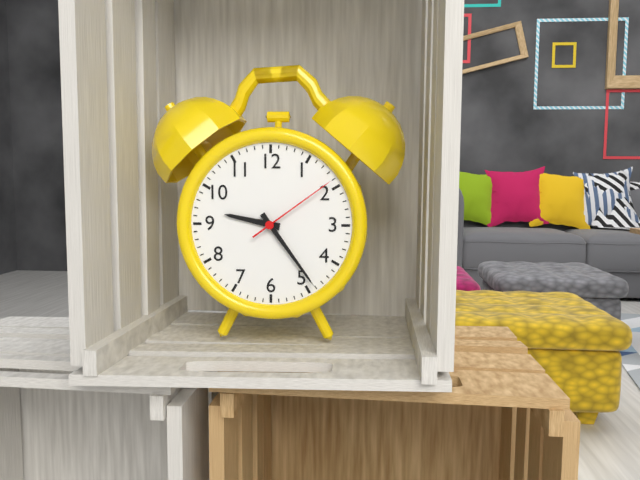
9:24:09
